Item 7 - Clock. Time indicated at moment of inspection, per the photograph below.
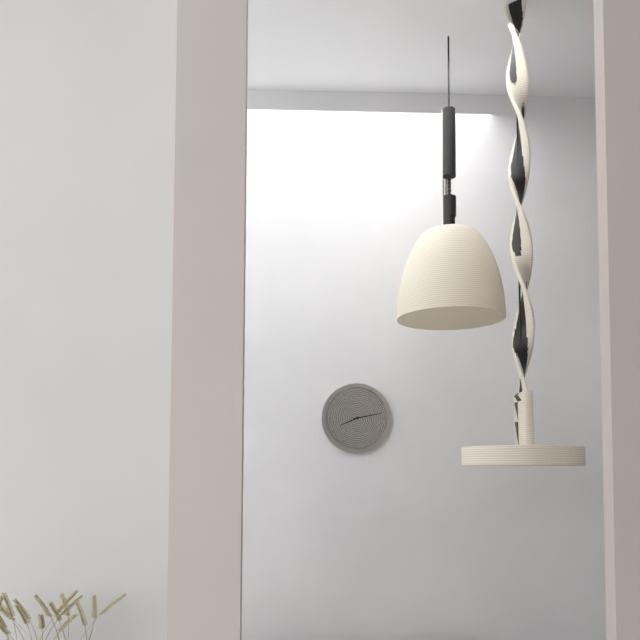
8:13
